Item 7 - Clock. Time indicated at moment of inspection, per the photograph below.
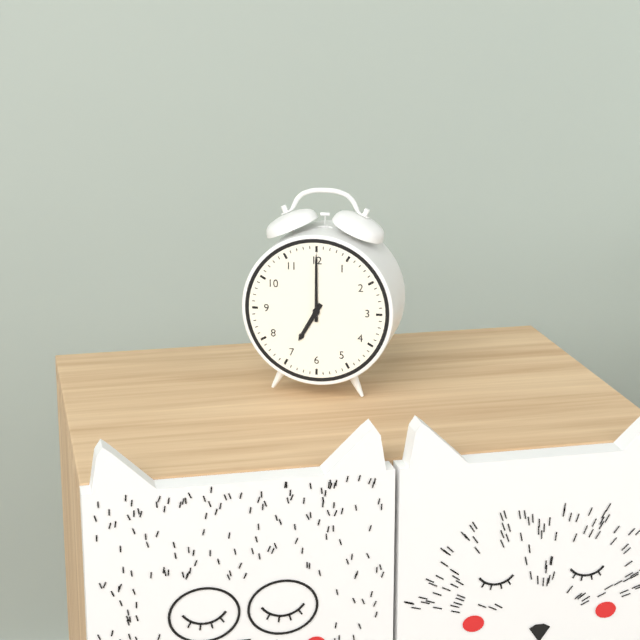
7:00
